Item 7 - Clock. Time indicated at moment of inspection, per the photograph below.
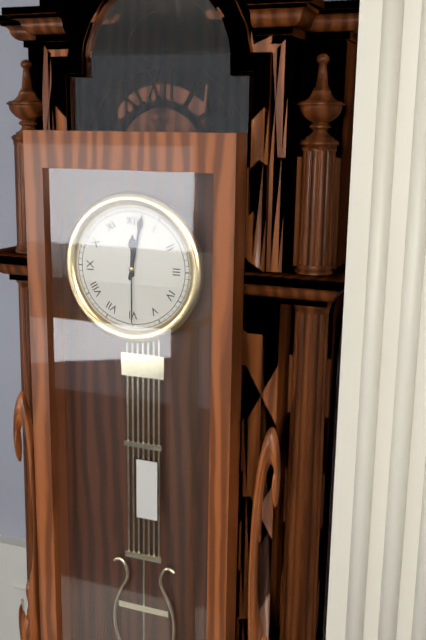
12:02:30
